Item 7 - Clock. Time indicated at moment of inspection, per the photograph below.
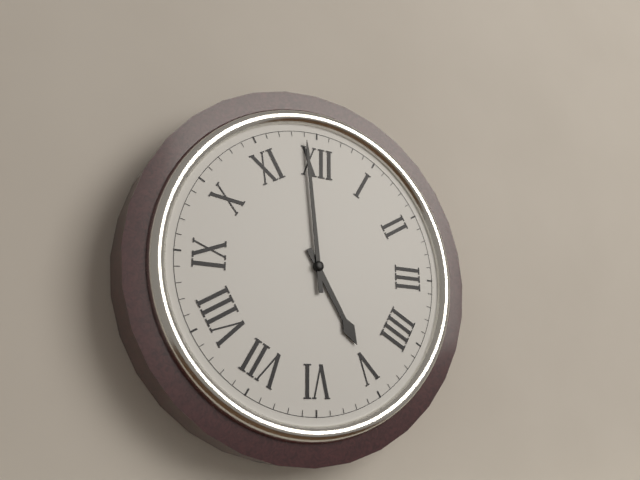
4:59
